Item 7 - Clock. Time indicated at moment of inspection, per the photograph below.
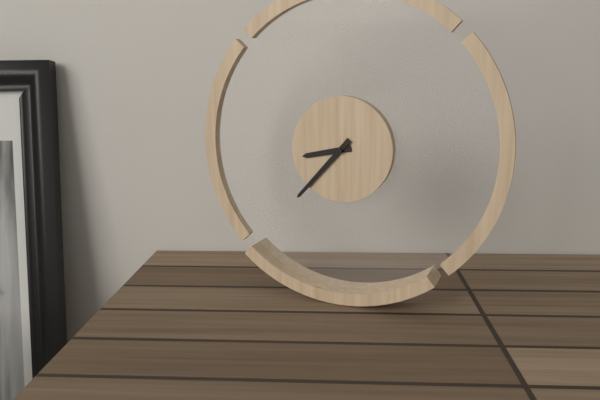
8:37
